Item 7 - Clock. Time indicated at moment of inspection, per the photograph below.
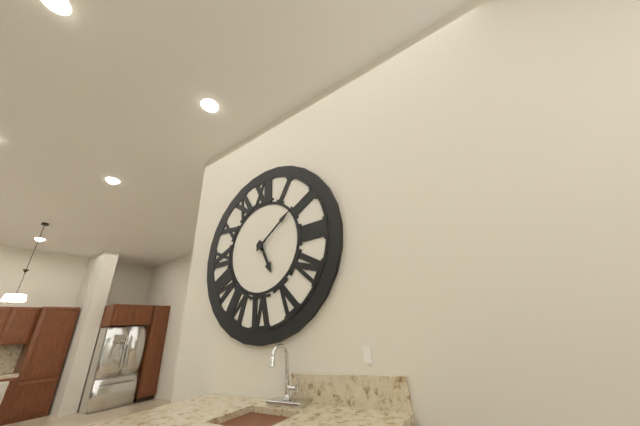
5:09
